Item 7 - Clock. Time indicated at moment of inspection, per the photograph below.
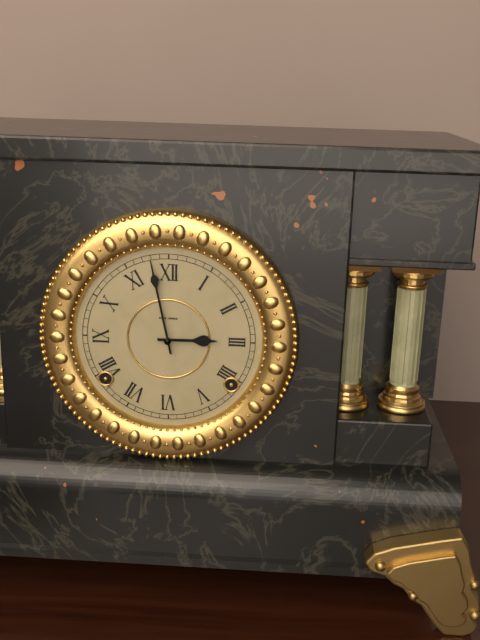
2:58
